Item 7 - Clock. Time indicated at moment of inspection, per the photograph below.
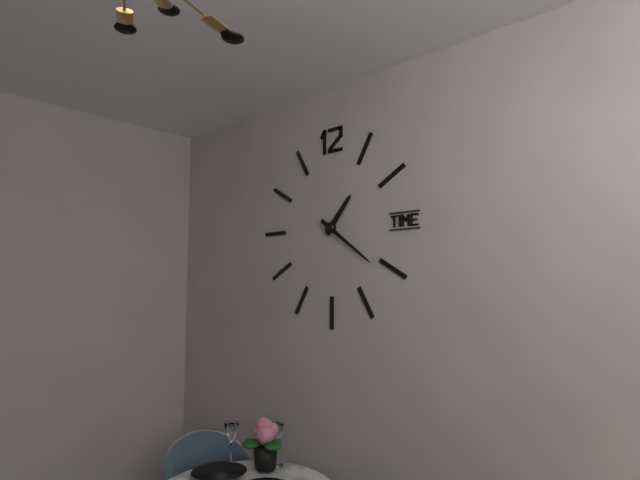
1:21
